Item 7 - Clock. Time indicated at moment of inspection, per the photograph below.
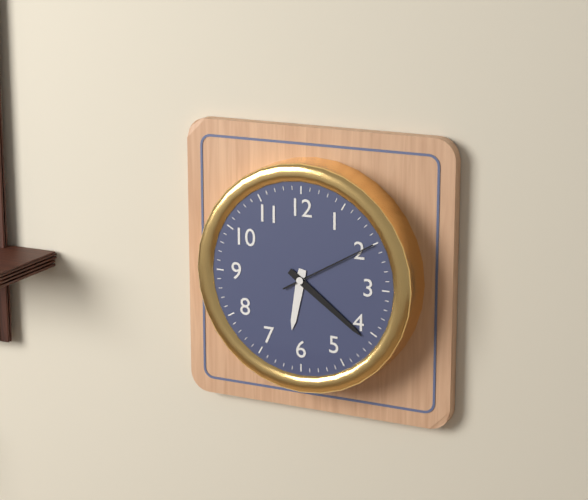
6:21:10
